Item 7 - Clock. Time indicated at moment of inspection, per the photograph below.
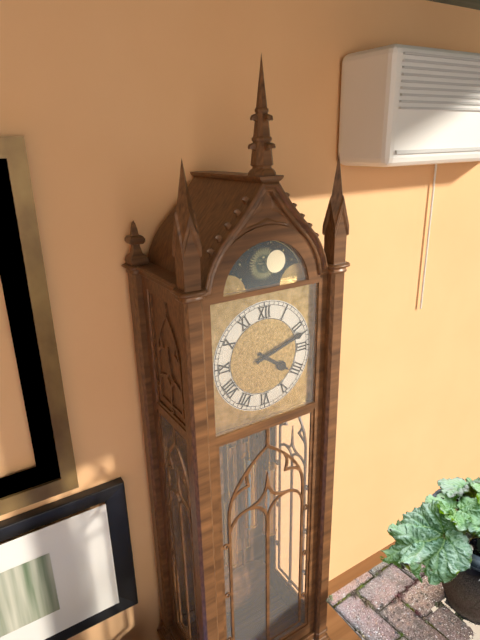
4:12
